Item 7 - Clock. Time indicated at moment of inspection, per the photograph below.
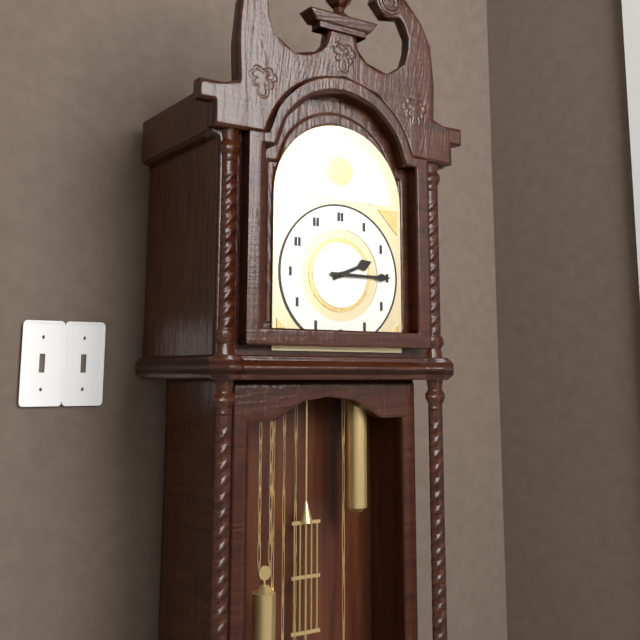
2:15
